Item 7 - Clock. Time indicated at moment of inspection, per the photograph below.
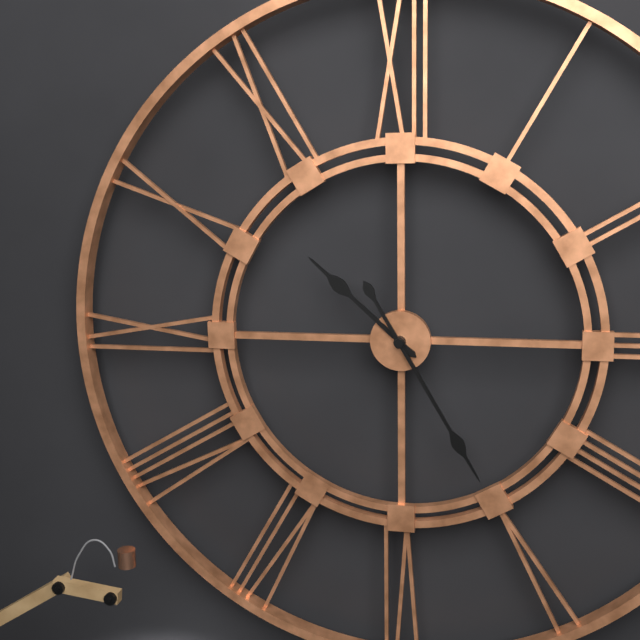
10:25
